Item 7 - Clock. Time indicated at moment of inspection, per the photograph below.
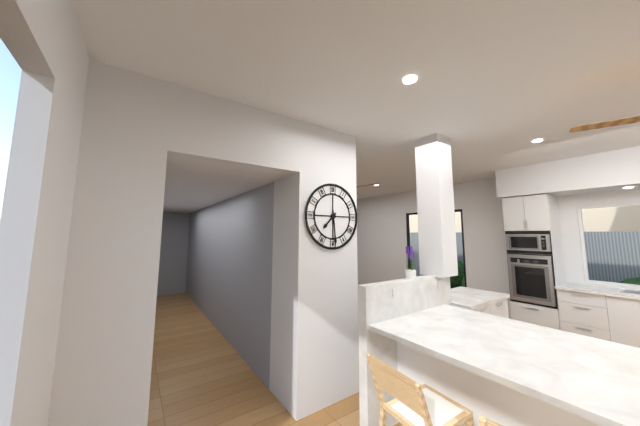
7:29
